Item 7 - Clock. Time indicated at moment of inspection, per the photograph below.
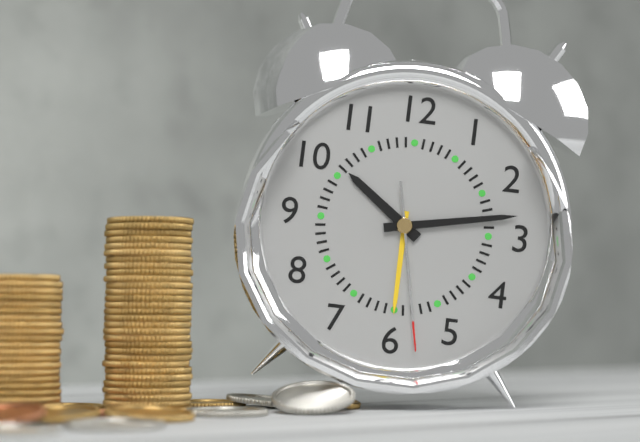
10:13:28
